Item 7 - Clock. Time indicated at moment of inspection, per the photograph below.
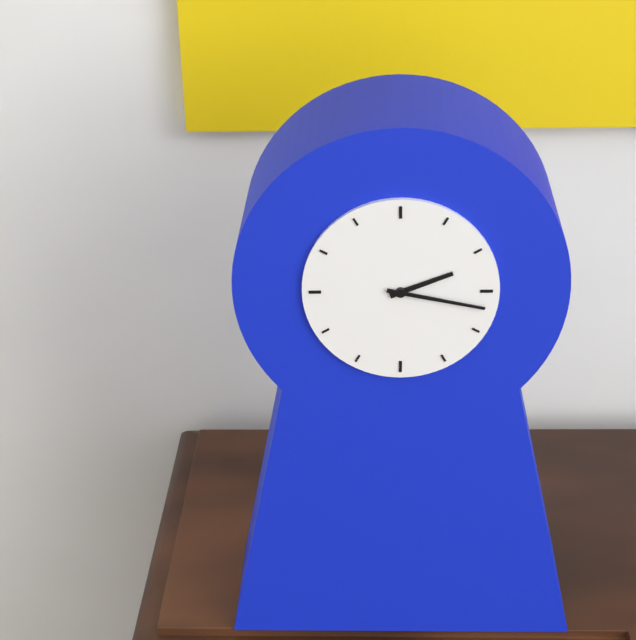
2:17
